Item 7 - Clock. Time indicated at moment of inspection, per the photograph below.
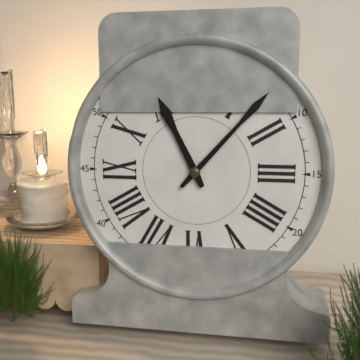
11:07
